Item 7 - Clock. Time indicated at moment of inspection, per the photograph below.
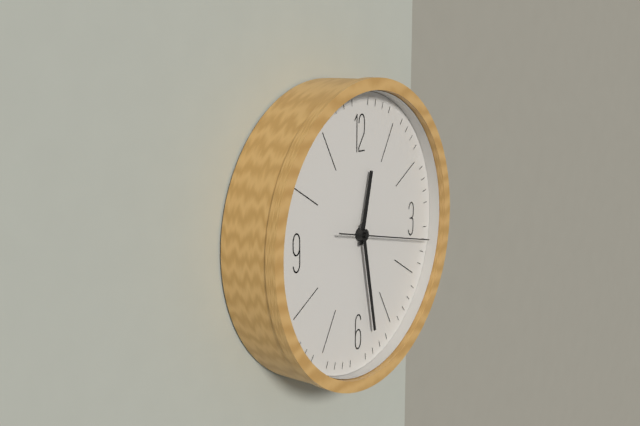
12:28:17
